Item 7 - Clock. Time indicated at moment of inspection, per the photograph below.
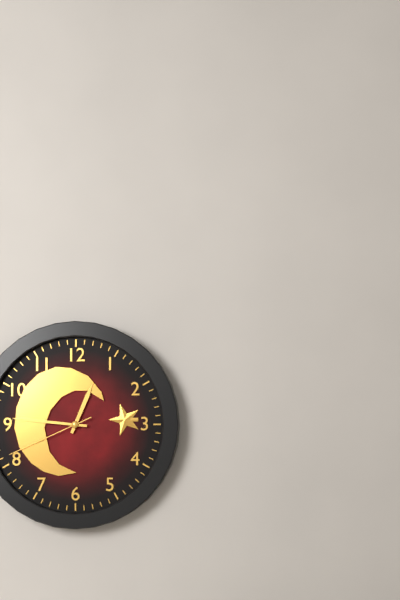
12:46:41
